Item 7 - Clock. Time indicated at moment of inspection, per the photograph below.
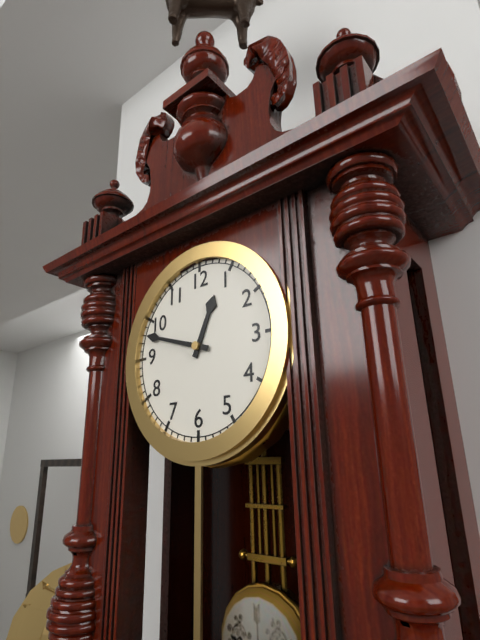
12:48
